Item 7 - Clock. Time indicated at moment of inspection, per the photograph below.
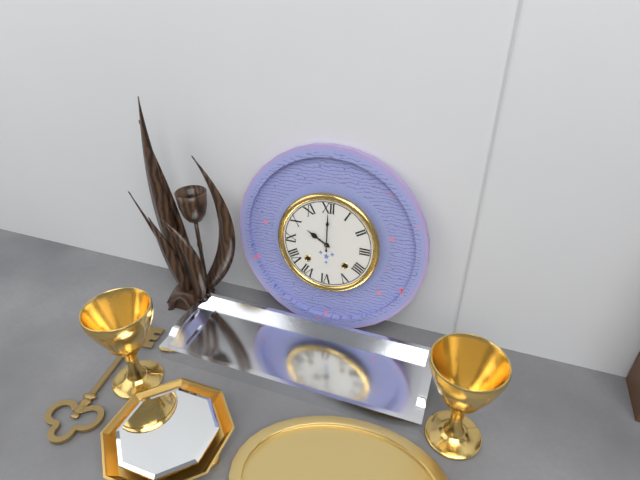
10:00
